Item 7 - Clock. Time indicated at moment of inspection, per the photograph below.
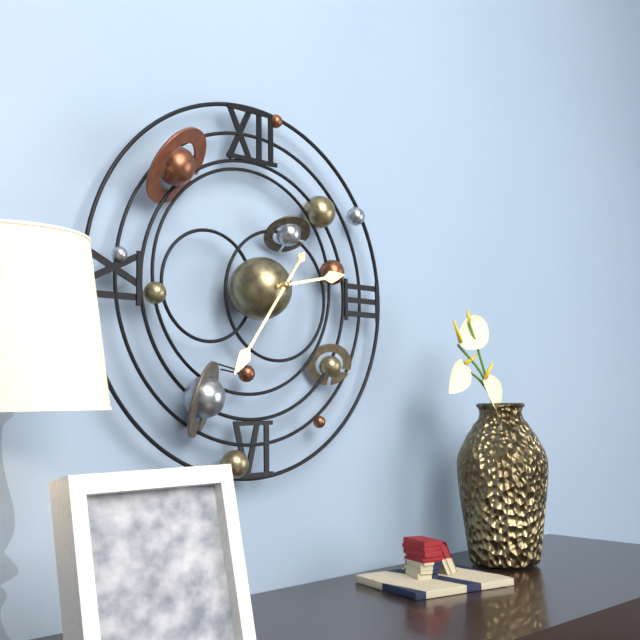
2:36
